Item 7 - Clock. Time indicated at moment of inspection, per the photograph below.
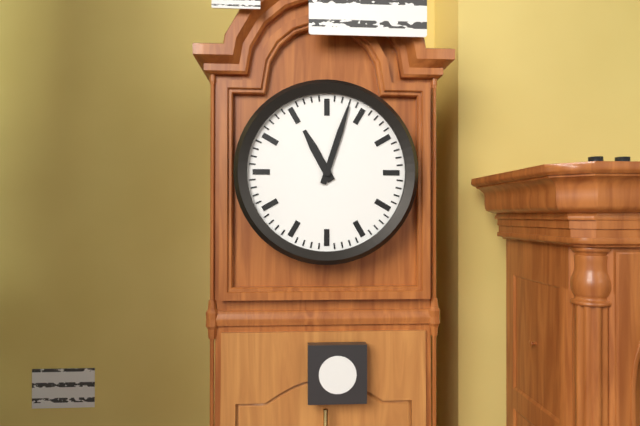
11:03
